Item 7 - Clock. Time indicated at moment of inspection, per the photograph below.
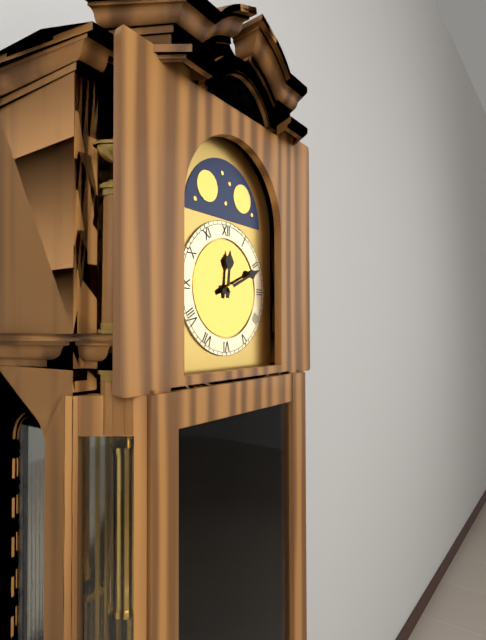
12:11
